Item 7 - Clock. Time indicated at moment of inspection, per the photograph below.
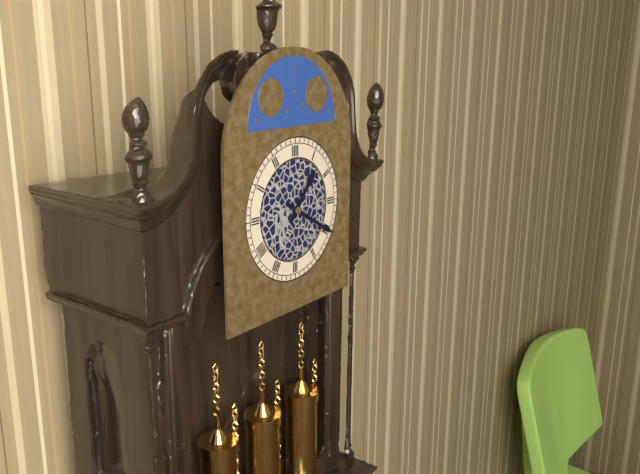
1:20
